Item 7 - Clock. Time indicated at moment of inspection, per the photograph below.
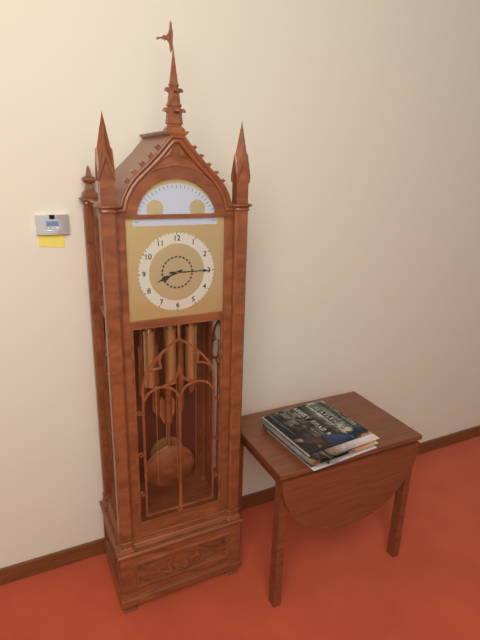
8:15
